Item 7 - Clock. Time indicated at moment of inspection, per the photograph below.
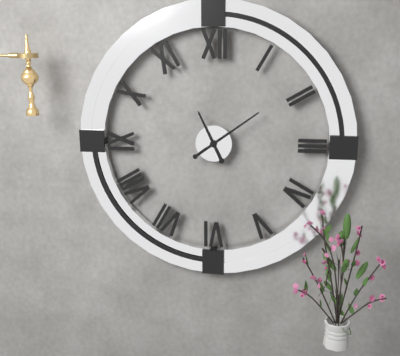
11:09
